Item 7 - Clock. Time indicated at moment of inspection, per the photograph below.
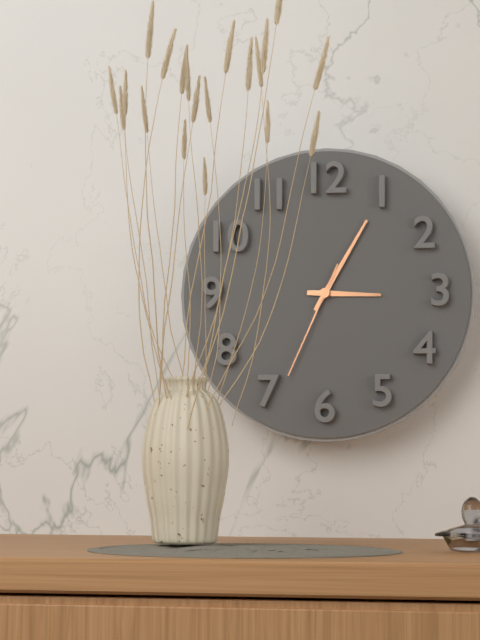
3:05:34
